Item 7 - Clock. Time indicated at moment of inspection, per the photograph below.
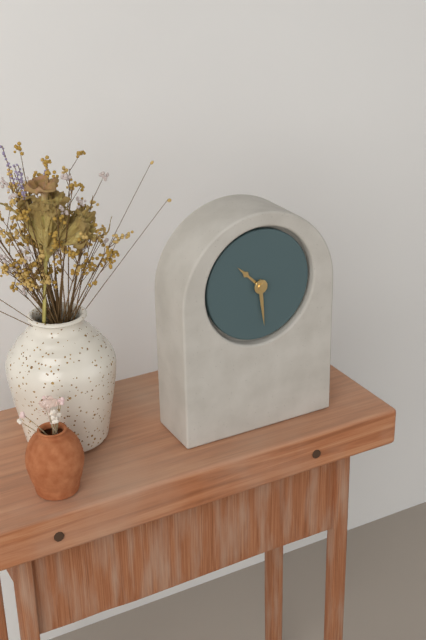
10:29
